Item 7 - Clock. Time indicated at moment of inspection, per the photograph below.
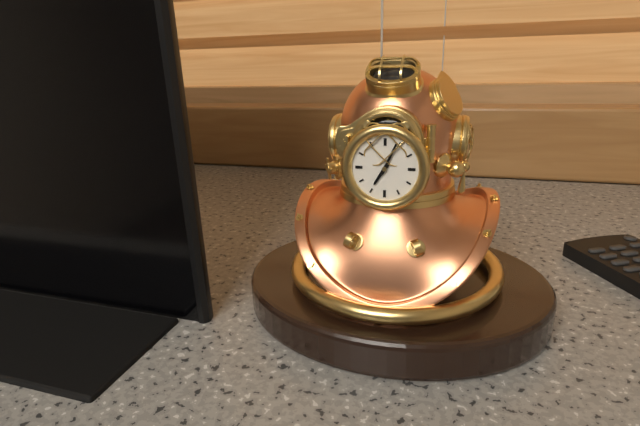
7:04
